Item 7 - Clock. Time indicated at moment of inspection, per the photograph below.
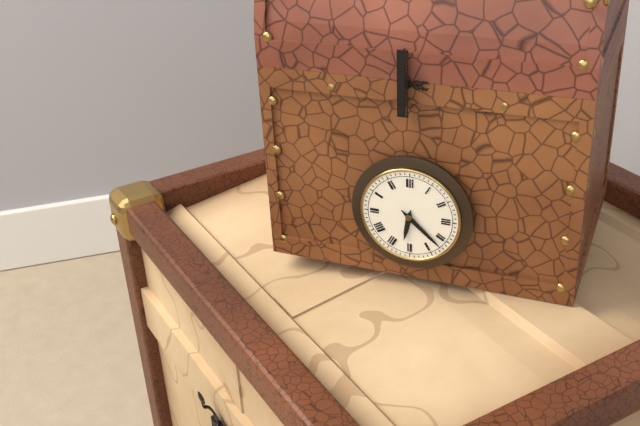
6:22
